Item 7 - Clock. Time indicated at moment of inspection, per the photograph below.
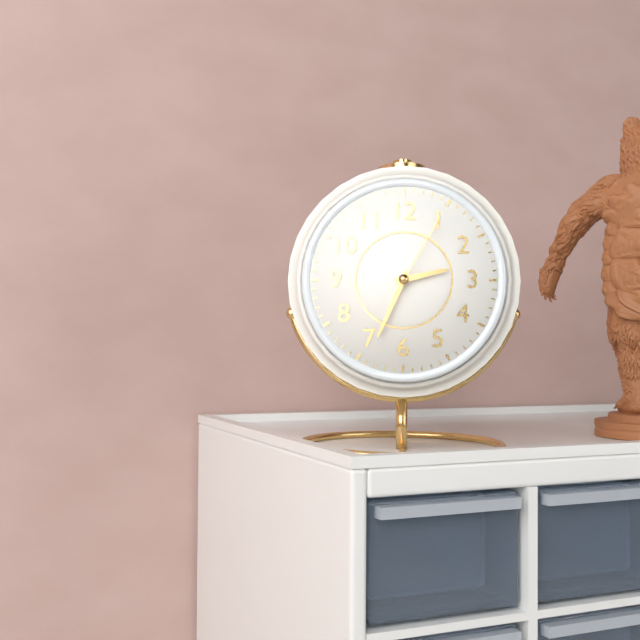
2:34:05
